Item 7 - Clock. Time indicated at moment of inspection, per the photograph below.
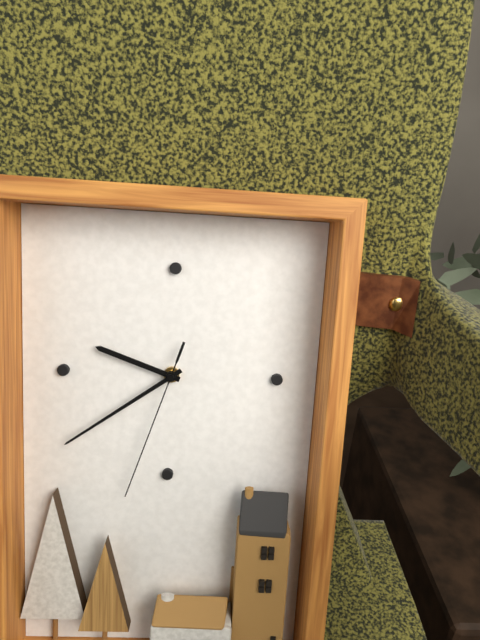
9:39:33
